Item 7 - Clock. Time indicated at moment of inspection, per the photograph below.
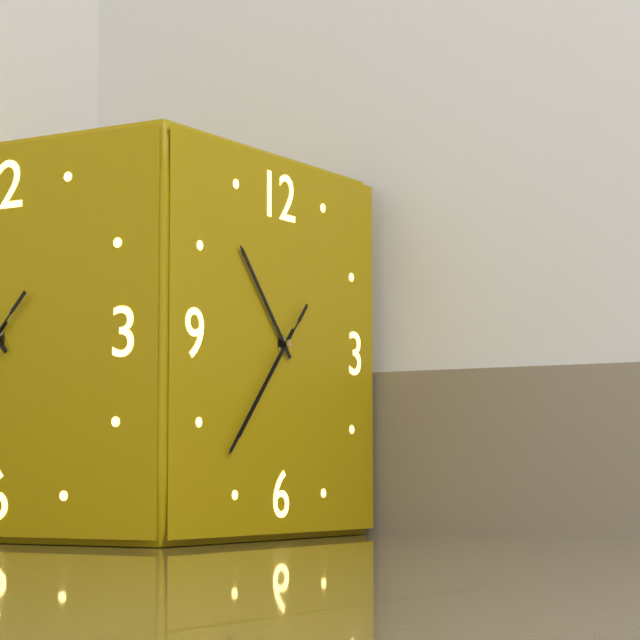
10:37:37
